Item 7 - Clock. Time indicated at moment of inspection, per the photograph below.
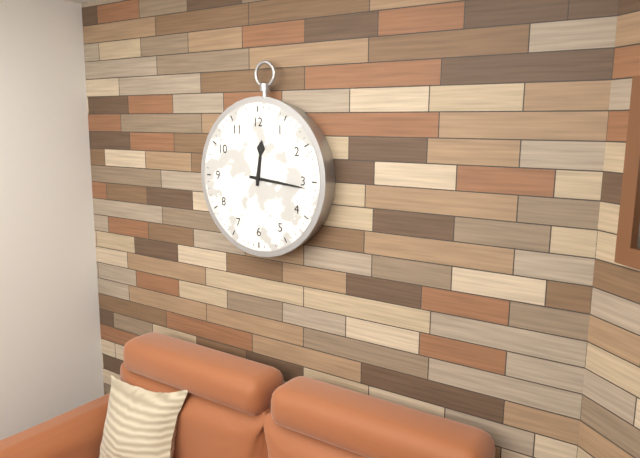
12:16
